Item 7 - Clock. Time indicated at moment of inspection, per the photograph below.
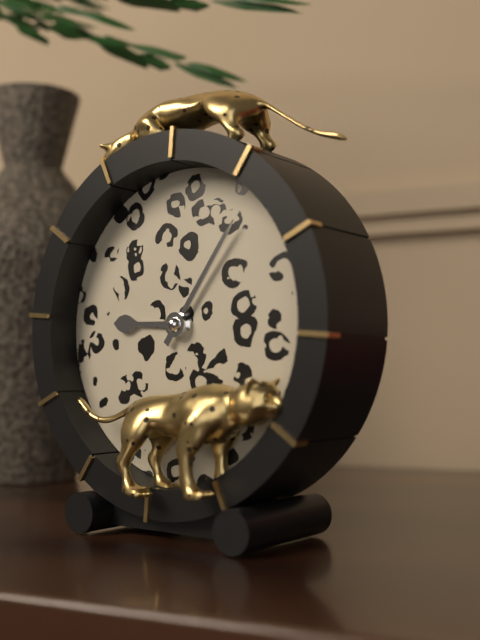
9:06
